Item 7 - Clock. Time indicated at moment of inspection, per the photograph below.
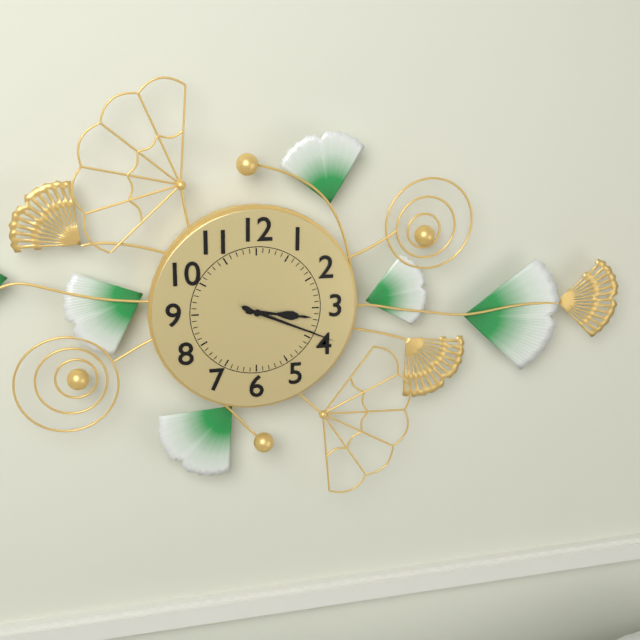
3:19
